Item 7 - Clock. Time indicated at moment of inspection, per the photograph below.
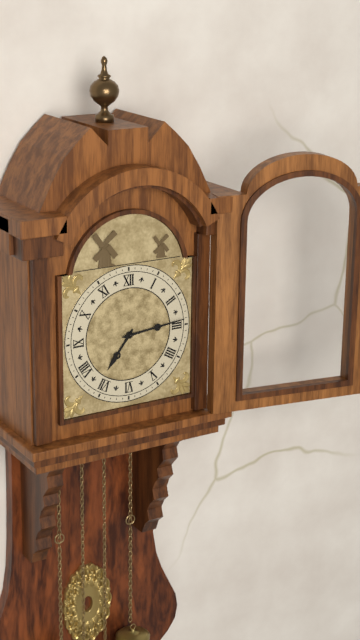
7:14
